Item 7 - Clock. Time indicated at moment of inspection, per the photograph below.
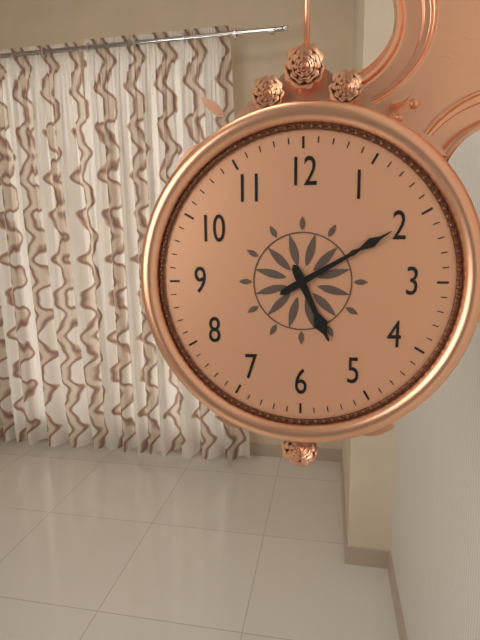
5:10
